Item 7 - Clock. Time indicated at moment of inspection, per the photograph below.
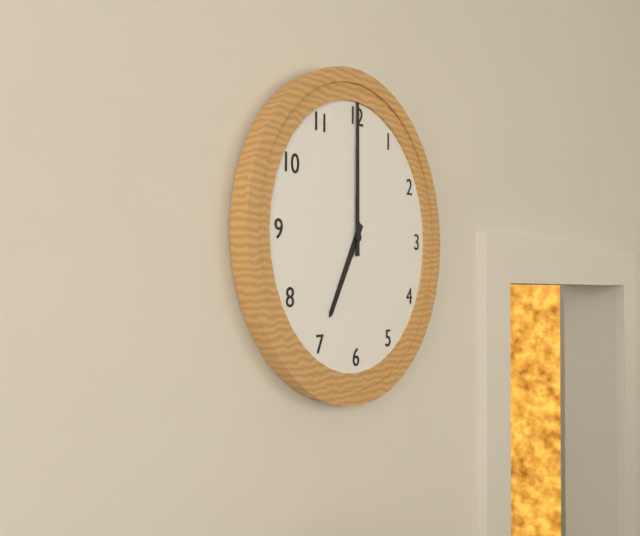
7:00
